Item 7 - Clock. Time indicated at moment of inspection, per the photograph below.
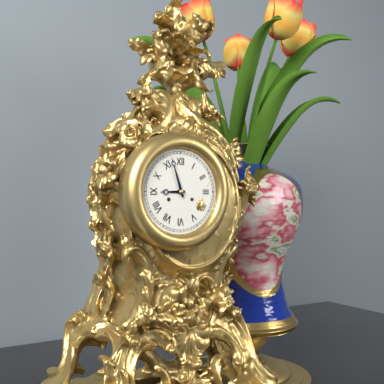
8:57
